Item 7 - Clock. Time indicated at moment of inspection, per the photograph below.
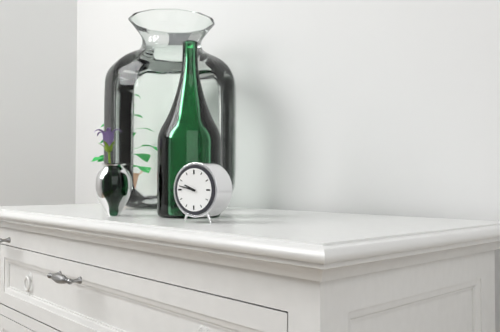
9:47
